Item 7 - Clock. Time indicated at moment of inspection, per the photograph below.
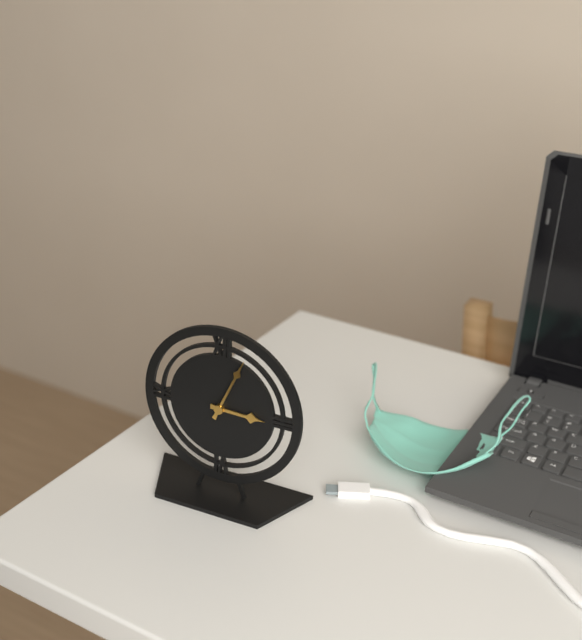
3:04
